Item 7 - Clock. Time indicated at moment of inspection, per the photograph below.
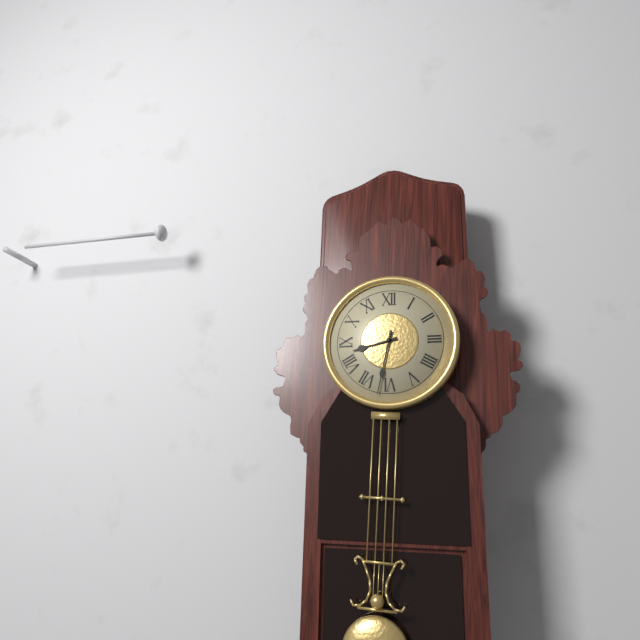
8:32
